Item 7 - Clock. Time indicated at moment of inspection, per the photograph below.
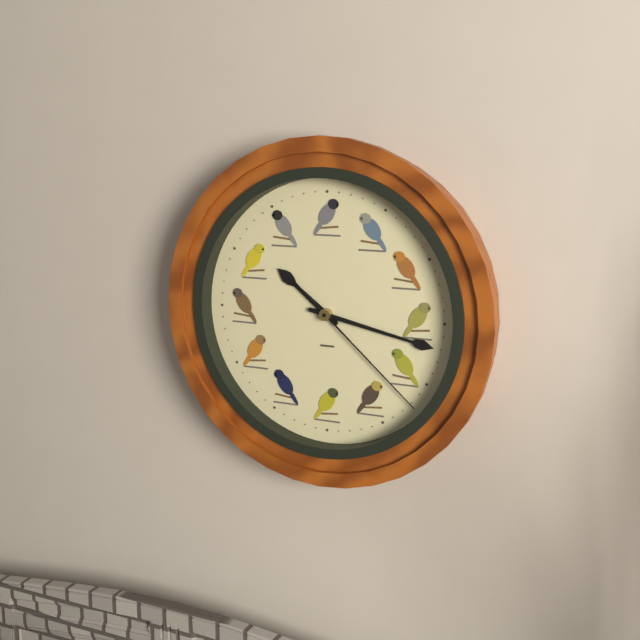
10:17:22
